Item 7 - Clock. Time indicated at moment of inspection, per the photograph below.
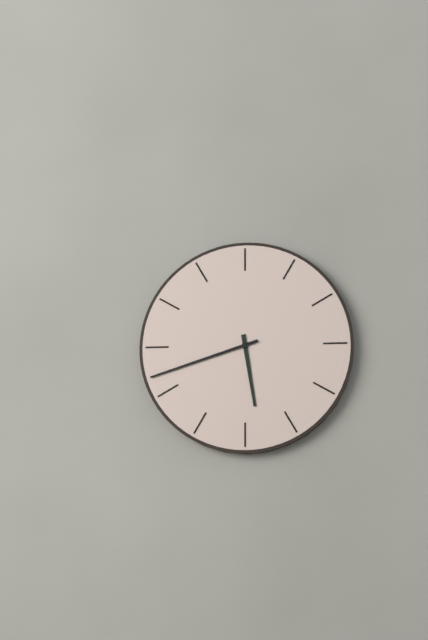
5:42
